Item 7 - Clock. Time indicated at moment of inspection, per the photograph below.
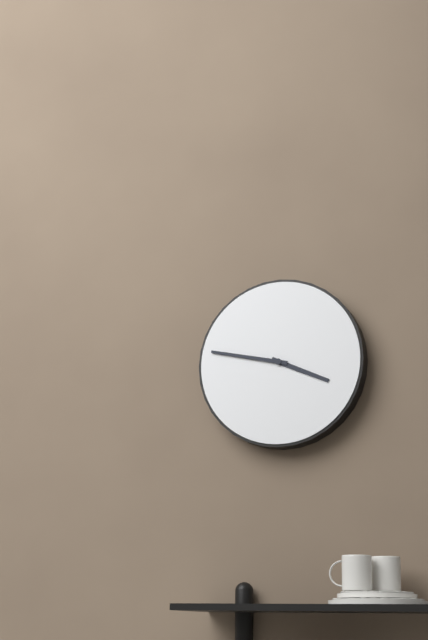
3:47
